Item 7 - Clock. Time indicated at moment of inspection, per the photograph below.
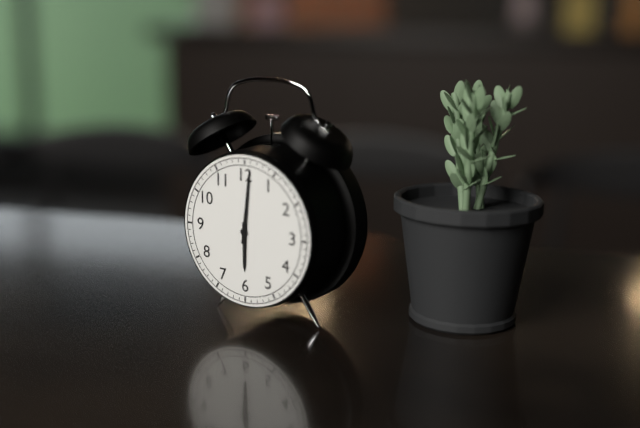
6:01
